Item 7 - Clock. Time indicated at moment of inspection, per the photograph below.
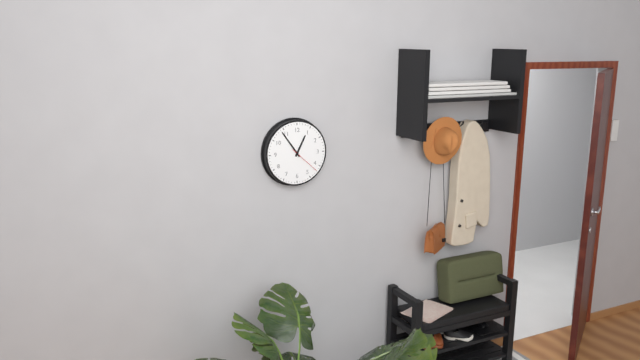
12:54
